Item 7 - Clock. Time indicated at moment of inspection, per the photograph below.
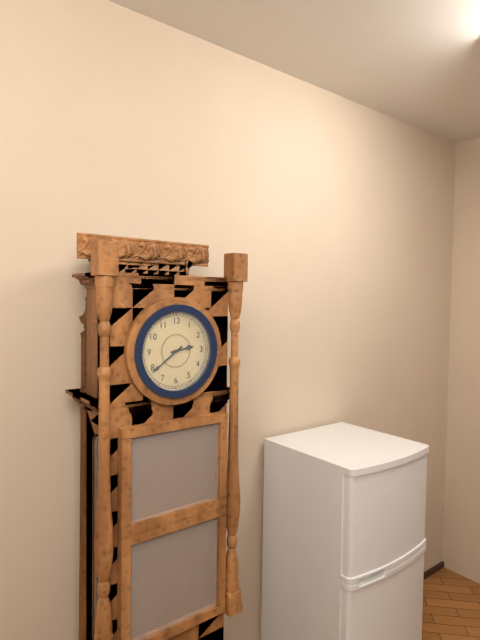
2:39
